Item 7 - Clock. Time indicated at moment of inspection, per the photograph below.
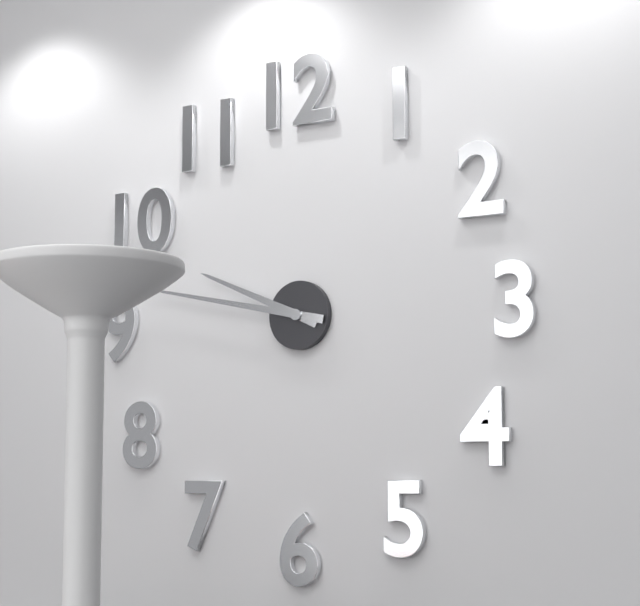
9:47
